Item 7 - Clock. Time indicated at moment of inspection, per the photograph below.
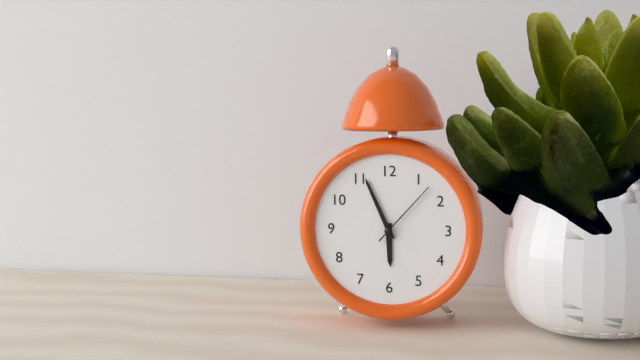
5:56:07
